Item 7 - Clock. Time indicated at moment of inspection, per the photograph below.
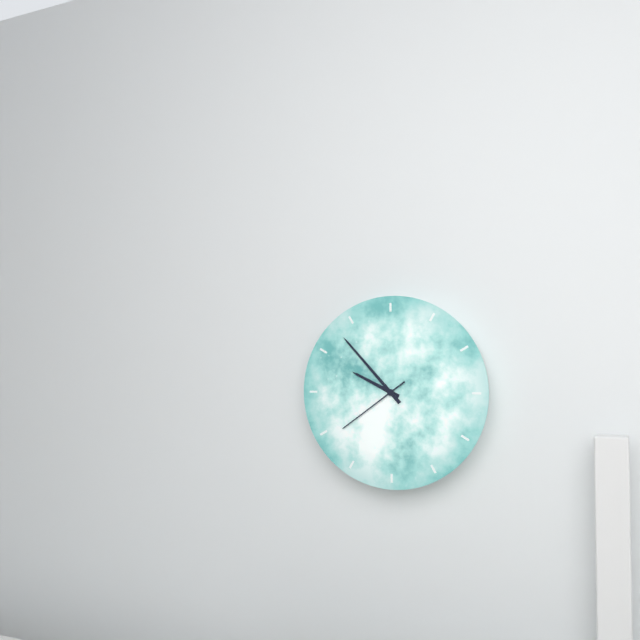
9:53:39
